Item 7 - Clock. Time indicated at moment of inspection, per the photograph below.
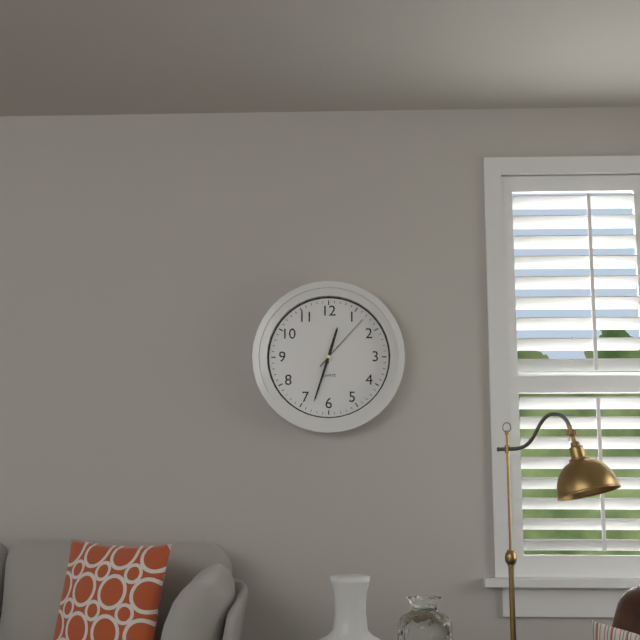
12:33:07
